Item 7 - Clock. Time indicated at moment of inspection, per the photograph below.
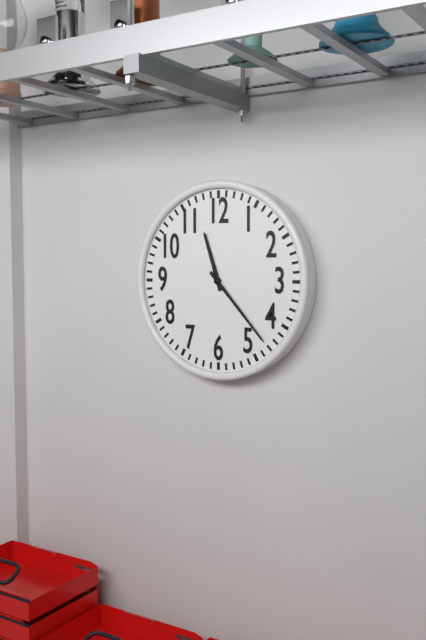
11:23
